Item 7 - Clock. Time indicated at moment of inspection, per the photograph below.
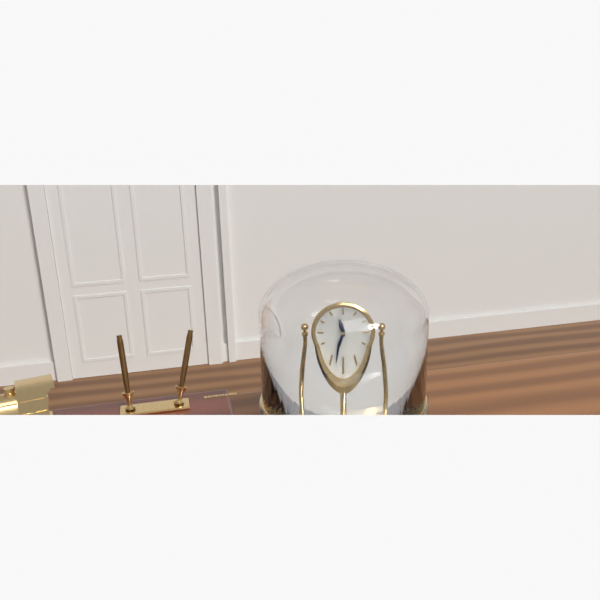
11:33
